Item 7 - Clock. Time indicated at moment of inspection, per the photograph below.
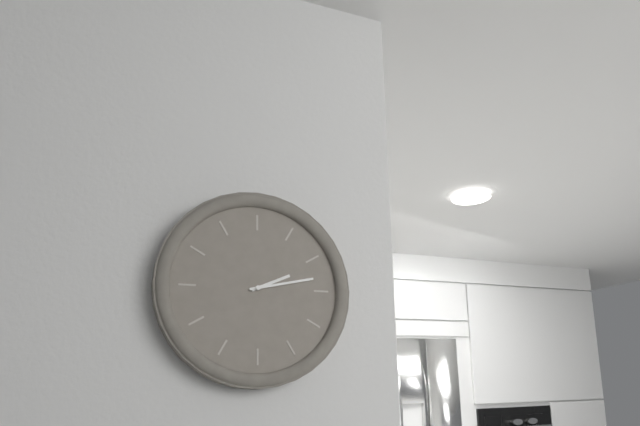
2:13
